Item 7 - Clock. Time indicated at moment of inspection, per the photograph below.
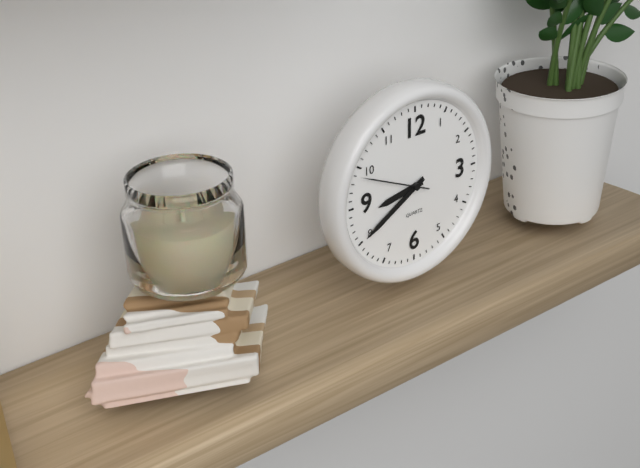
8:40:49
